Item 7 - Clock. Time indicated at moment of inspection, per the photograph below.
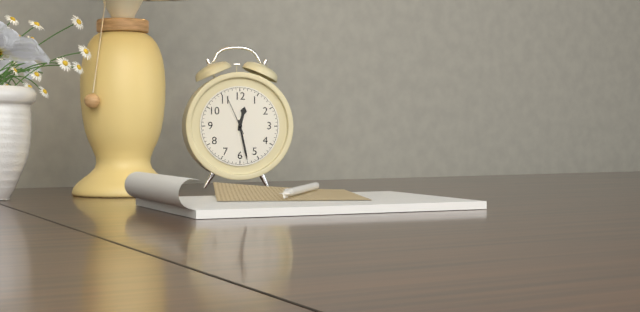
12:28
